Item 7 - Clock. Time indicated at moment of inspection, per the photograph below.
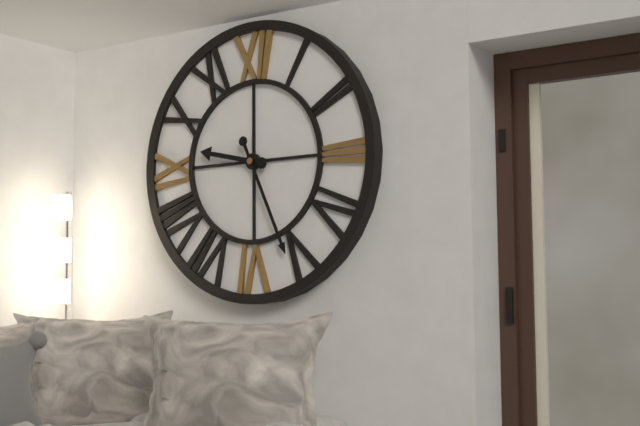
9:26
